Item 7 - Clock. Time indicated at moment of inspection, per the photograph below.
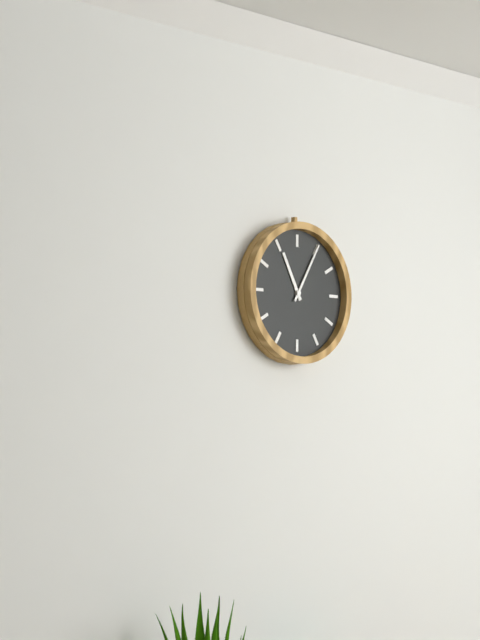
11:05
